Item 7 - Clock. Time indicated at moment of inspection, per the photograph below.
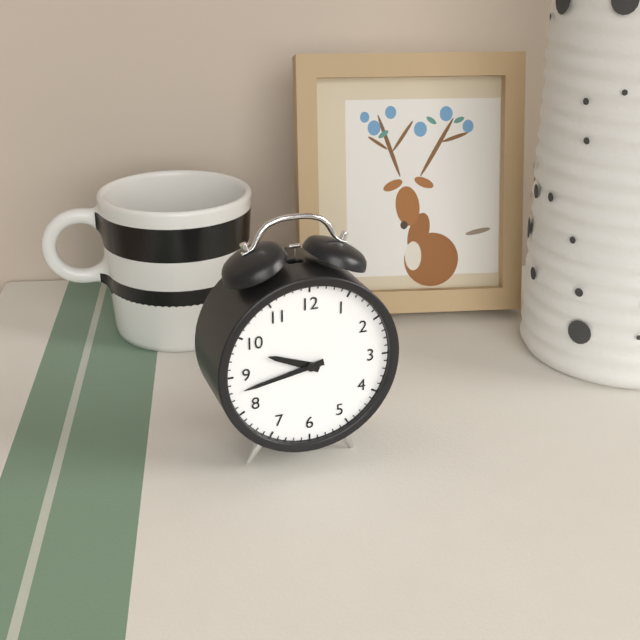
9:43
